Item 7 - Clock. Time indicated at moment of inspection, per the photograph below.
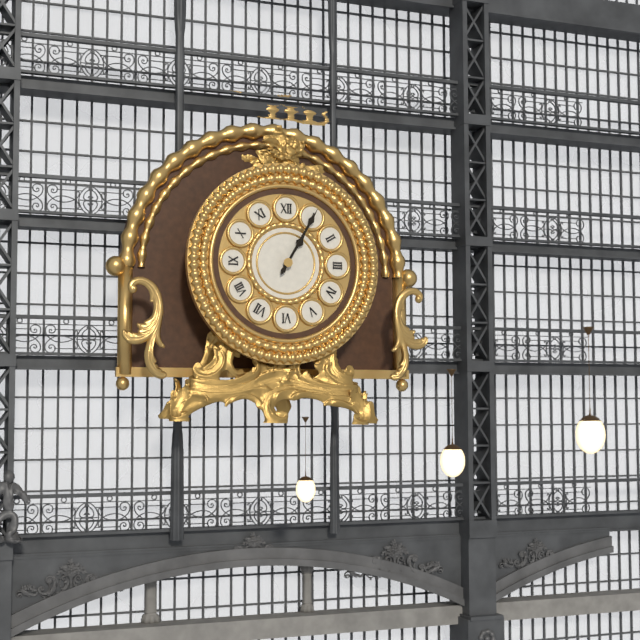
1:05
